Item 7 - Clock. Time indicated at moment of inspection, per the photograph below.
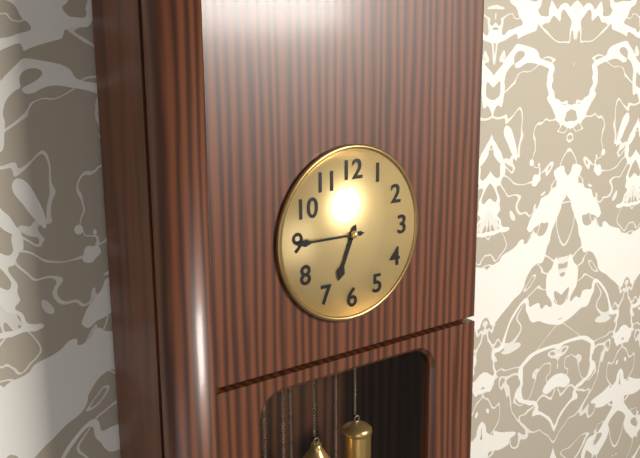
6:45
